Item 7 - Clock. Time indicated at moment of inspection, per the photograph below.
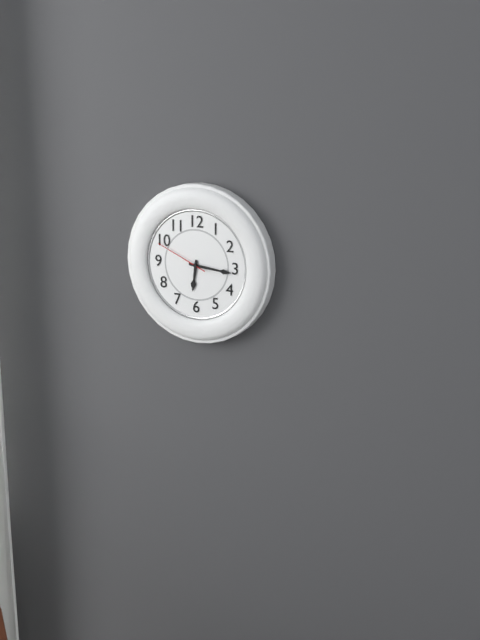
6:16:49
